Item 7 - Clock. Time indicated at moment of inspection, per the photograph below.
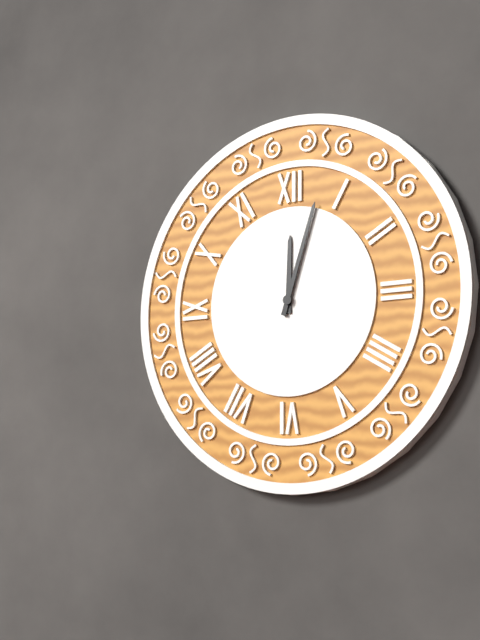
12:03
